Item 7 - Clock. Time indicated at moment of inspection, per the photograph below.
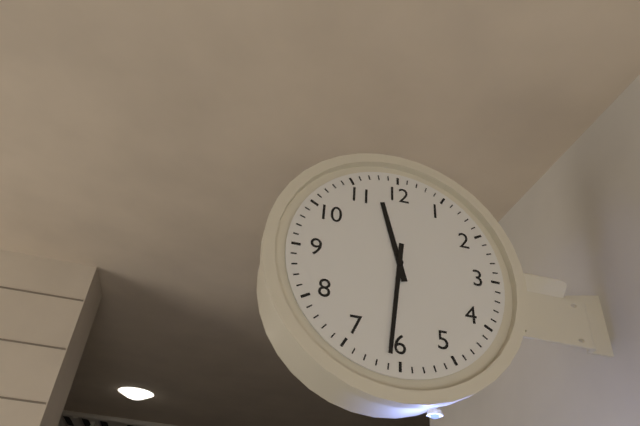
11:31
